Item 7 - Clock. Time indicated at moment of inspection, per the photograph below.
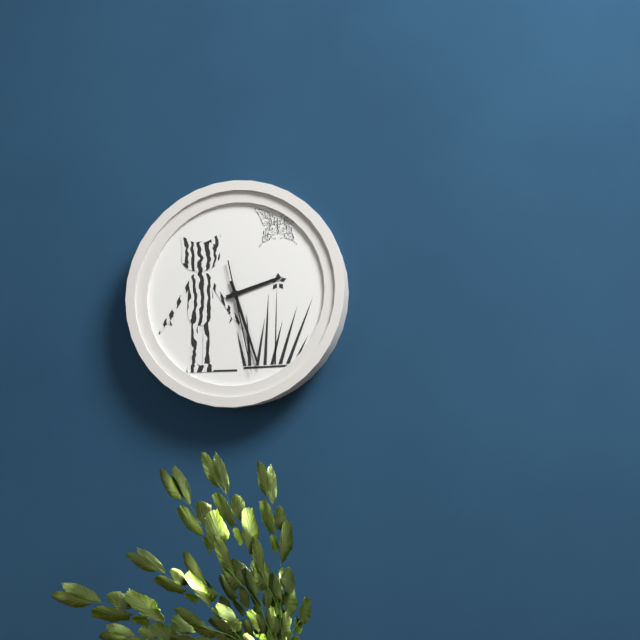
2:27:28
